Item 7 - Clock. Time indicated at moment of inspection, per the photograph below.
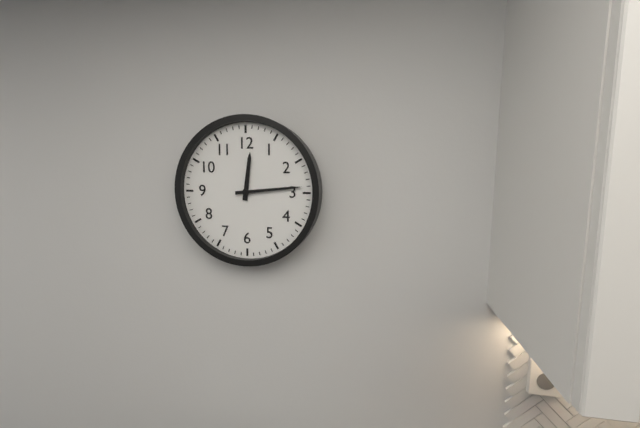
12:14
